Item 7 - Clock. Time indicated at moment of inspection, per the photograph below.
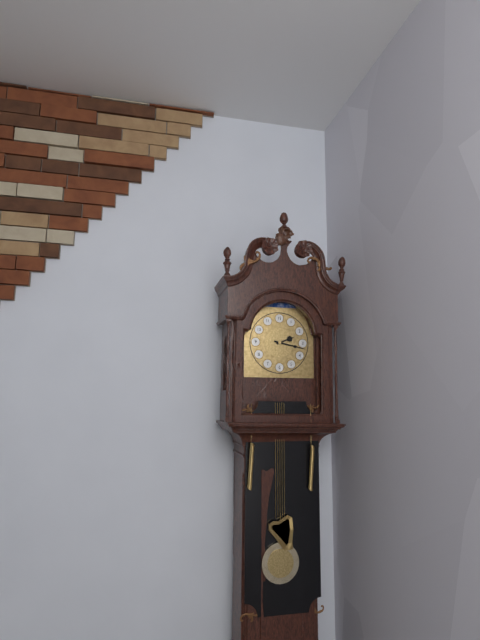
2:17
